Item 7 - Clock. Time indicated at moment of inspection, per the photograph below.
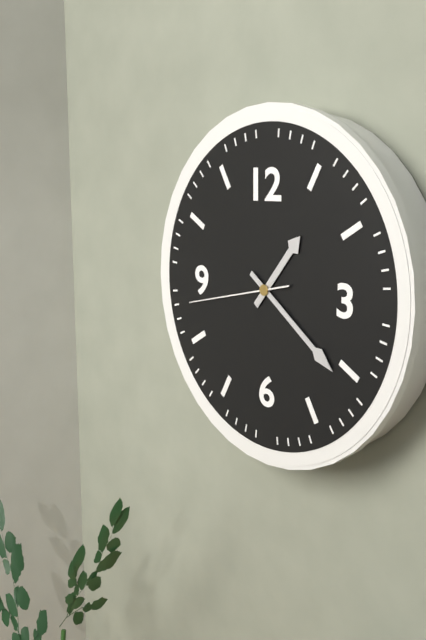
1:21:43
